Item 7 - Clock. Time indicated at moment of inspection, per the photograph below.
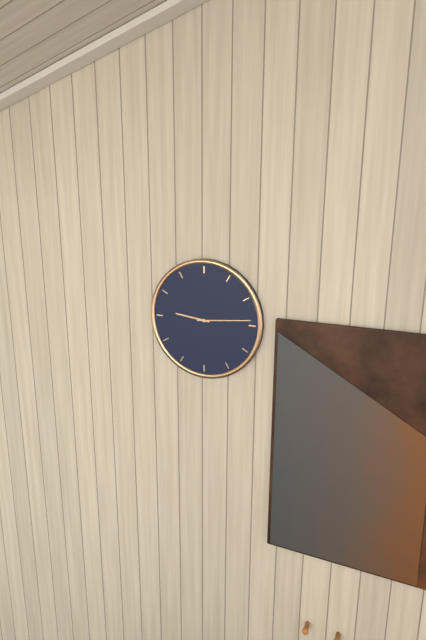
9:14
